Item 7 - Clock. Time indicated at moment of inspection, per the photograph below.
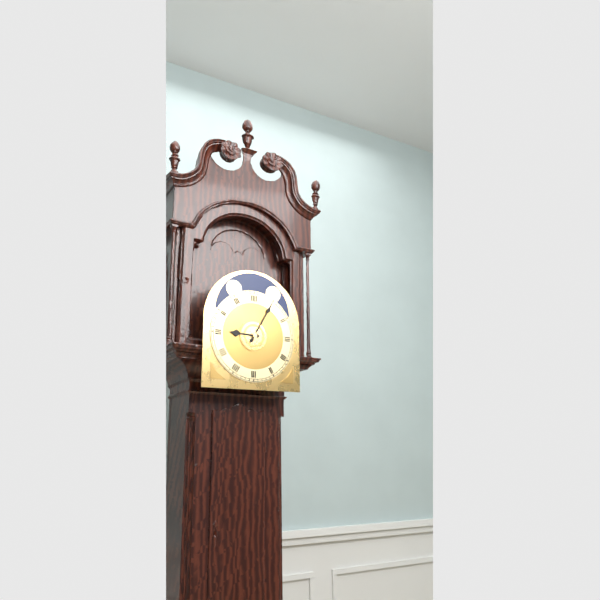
9:05
